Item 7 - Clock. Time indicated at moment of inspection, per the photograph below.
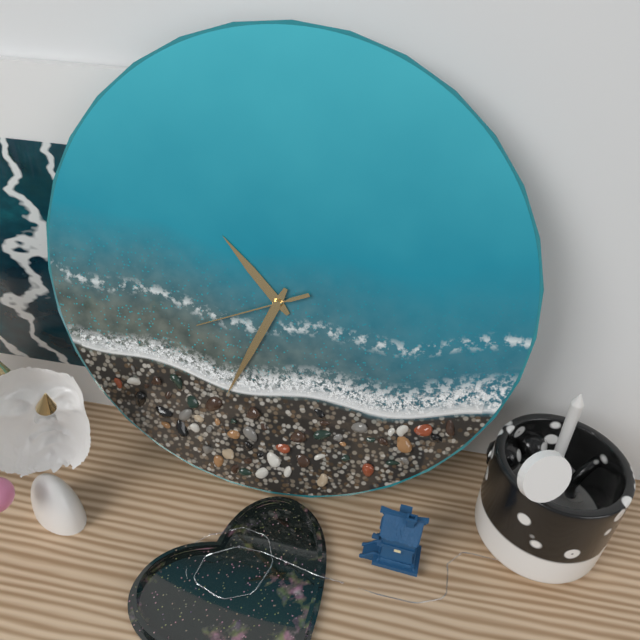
10:34:41
